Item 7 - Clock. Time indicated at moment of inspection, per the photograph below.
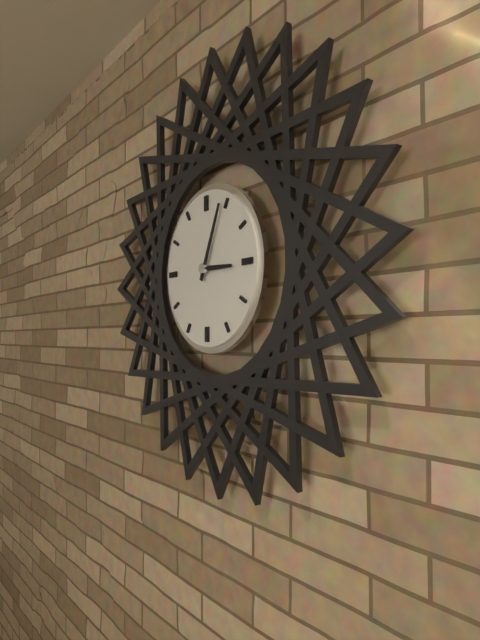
3:04
